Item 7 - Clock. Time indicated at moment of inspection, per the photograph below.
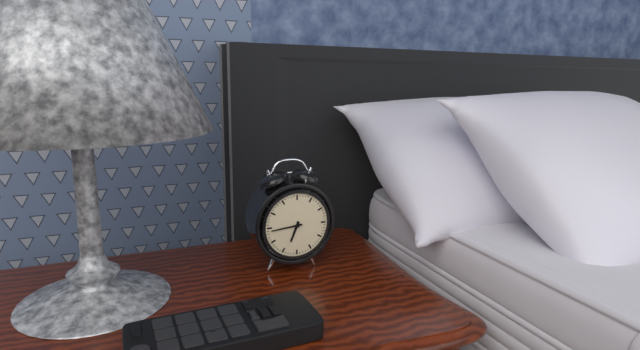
6:44
